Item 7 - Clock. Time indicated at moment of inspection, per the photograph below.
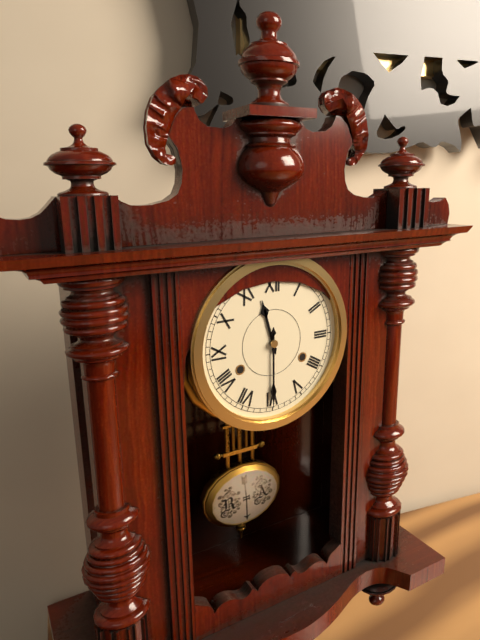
11:30
